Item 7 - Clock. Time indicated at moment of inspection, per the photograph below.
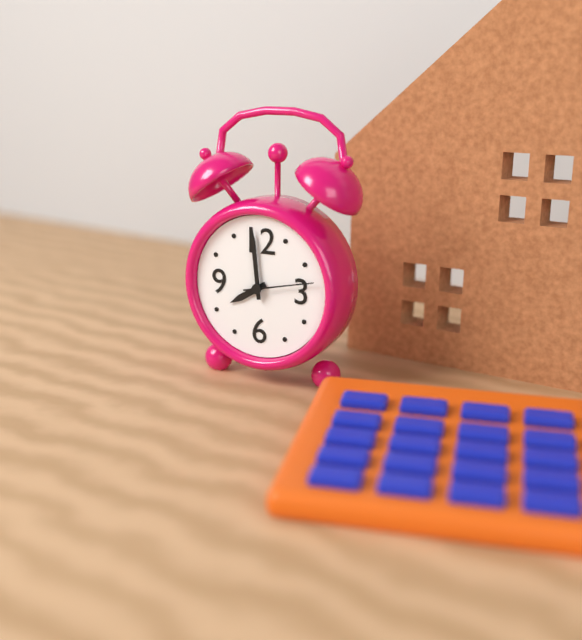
7:59:13
